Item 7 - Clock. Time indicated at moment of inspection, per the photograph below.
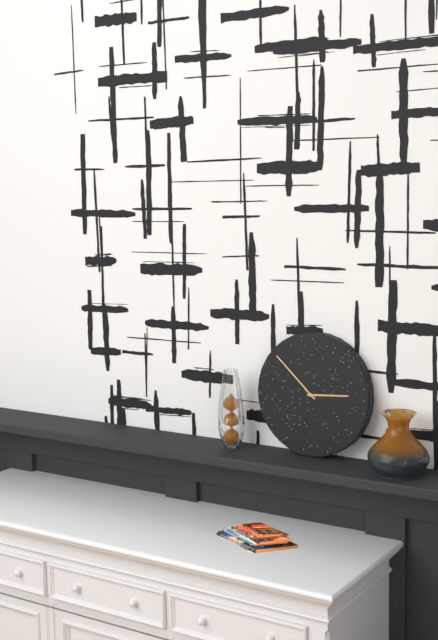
2:52
